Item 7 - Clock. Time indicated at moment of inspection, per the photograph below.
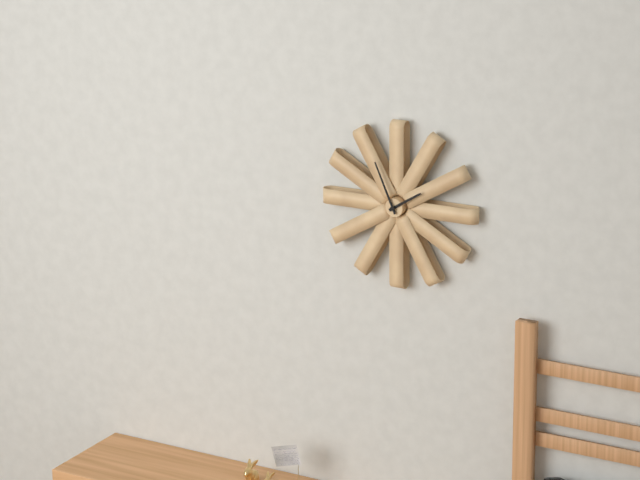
1:56
